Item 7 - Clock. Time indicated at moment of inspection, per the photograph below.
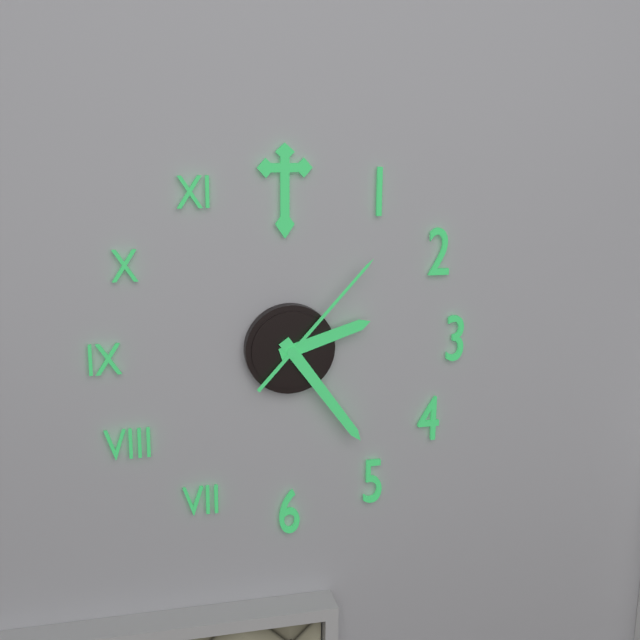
2:24:07
